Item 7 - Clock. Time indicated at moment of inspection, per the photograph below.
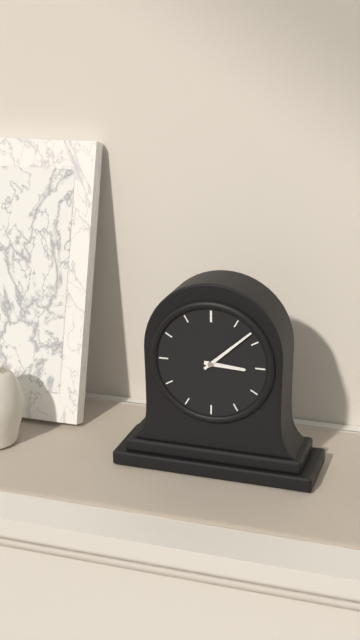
3:08
